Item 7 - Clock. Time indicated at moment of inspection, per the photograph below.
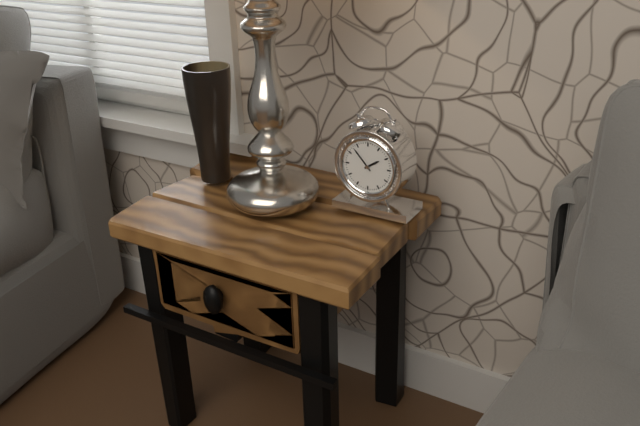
1:53
